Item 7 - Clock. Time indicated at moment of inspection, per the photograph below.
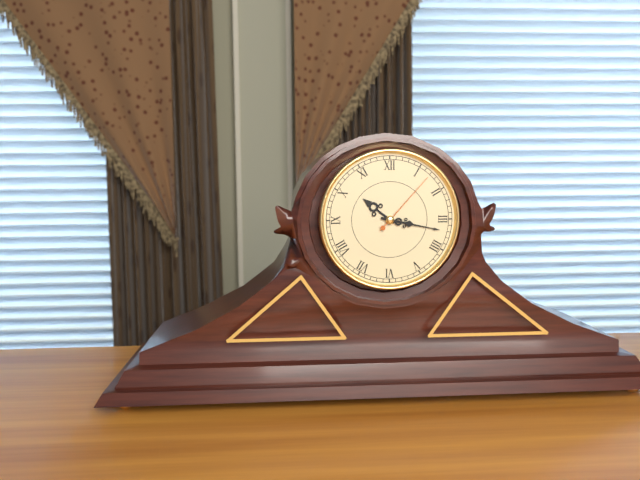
10:17:07
